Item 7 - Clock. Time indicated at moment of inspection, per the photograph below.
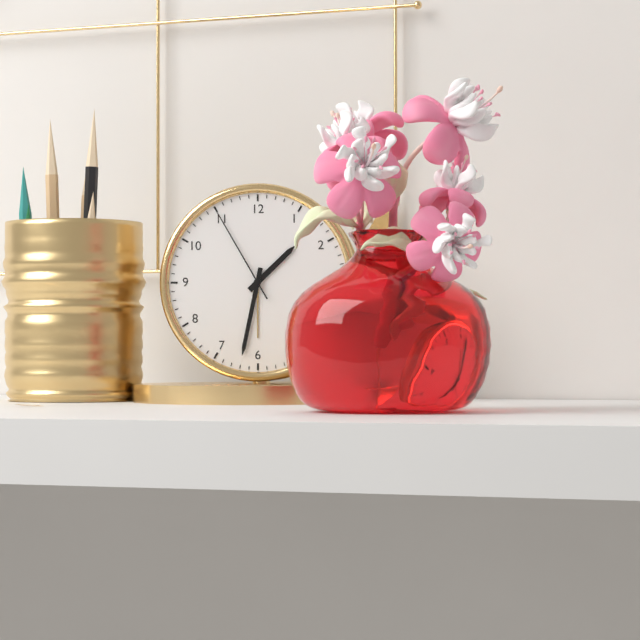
1:32:55
